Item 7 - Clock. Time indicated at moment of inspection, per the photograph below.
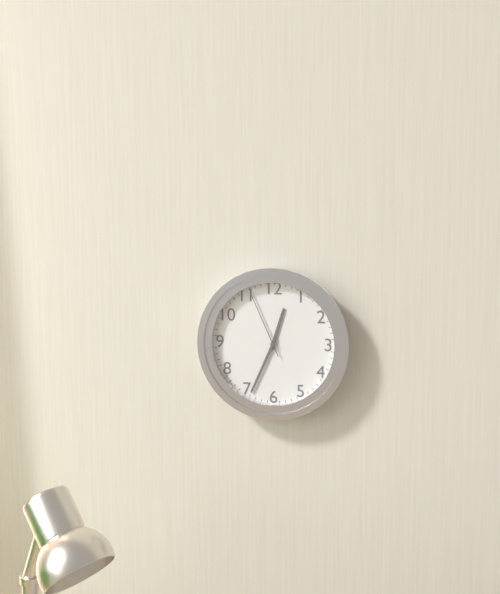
12:34:56
